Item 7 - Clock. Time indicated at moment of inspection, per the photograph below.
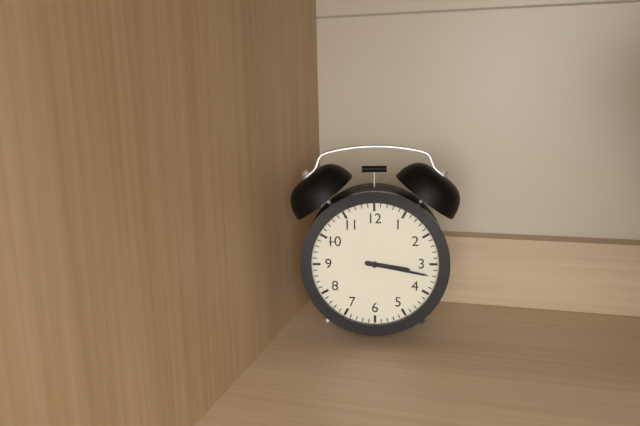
3:17
